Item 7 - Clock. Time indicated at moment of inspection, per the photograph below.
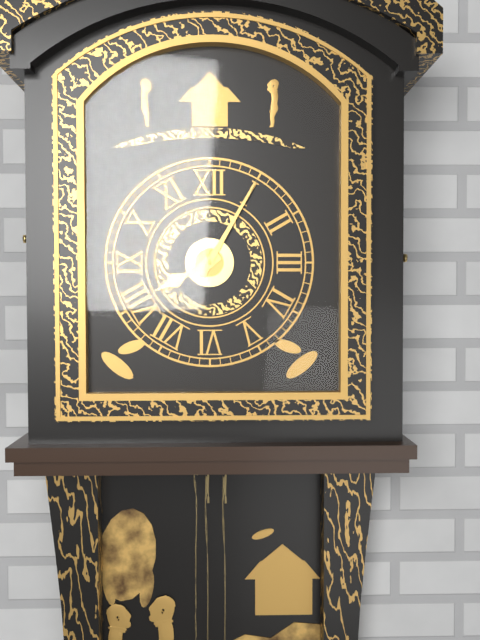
8:05
